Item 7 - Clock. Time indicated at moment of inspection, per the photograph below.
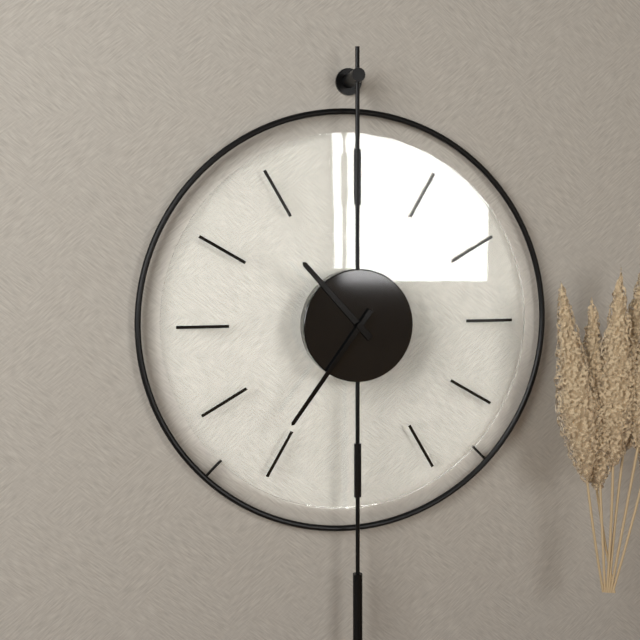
10:36
